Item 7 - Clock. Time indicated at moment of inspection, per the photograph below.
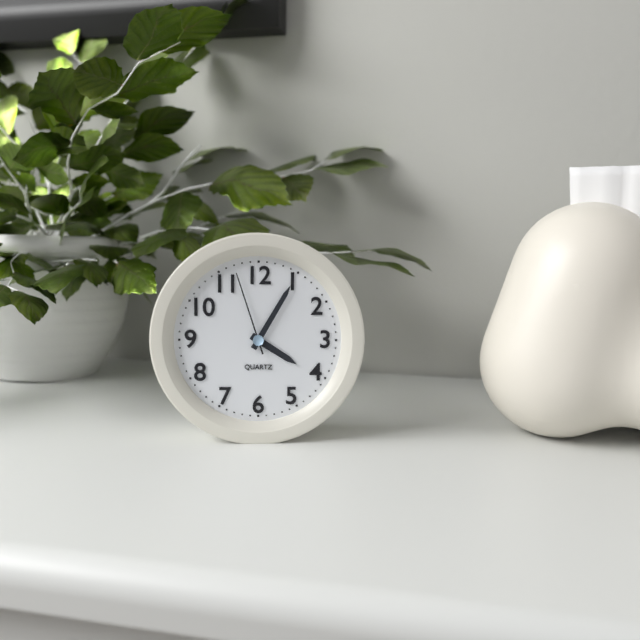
4:05:57
